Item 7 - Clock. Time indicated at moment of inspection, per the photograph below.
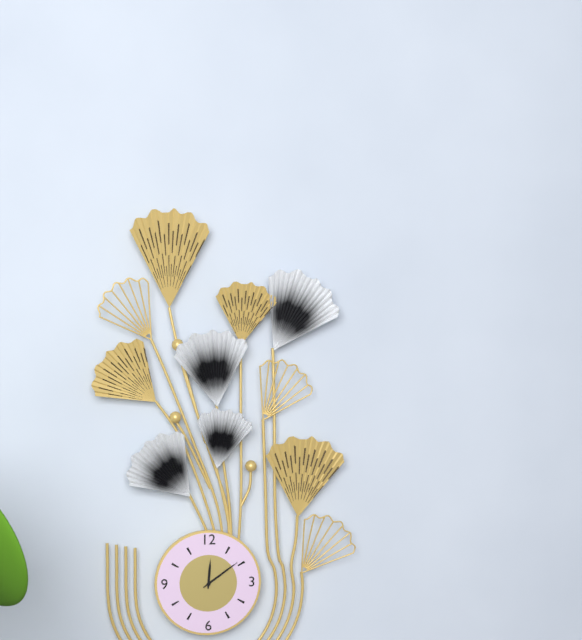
12:09
